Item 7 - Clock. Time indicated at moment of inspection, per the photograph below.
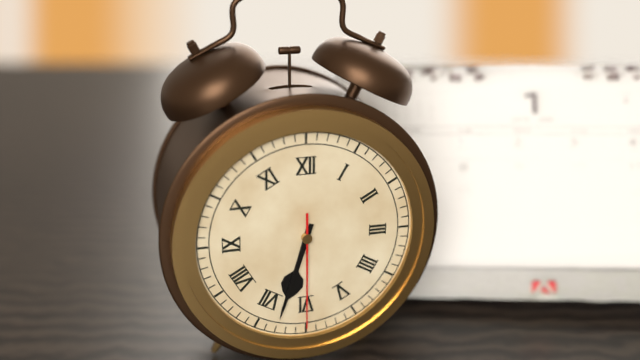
6:33:30
